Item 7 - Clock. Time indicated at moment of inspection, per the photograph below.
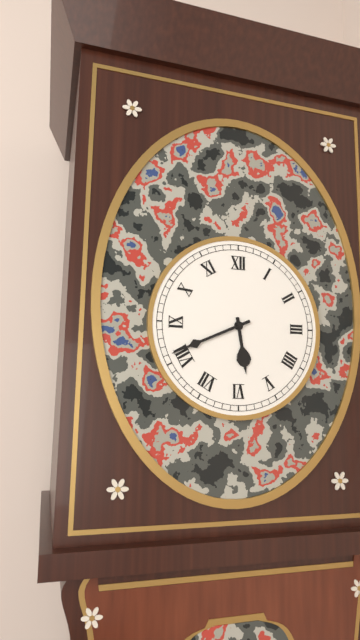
5:41
